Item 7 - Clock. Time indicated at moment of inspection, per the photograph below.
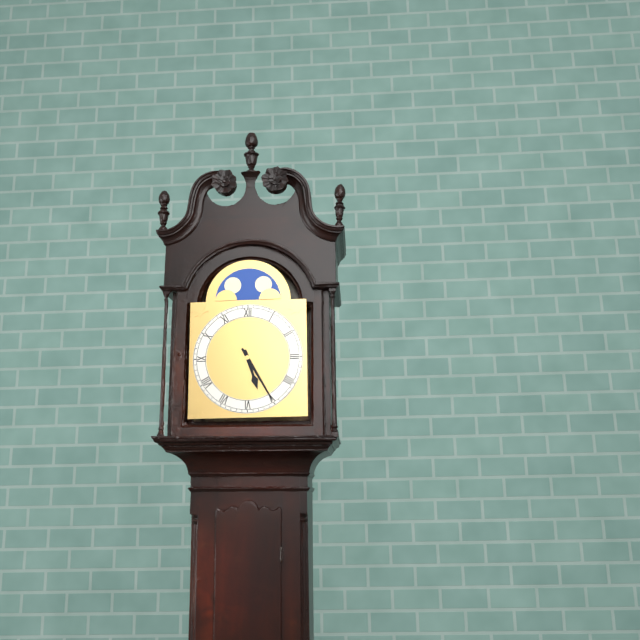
5:25
